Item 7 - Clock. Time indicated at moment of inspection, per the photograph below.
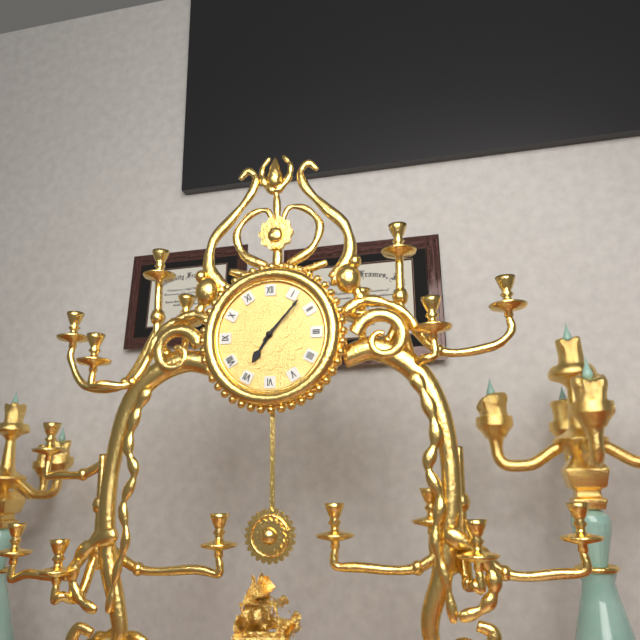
7:07
